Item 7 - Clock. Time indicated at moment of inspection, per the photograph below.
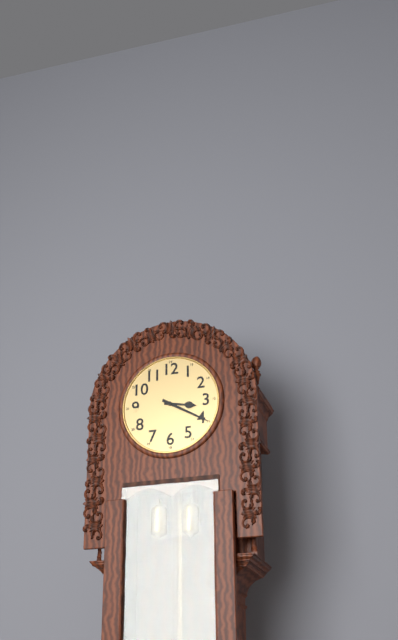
3:20
